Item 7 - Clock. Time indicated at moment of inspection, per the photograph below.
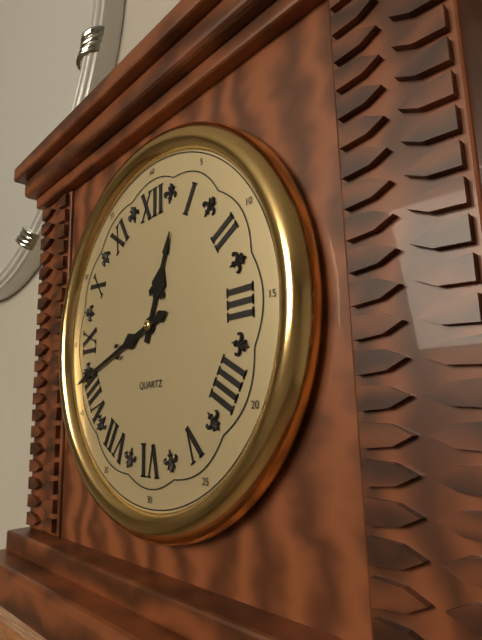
12:42
